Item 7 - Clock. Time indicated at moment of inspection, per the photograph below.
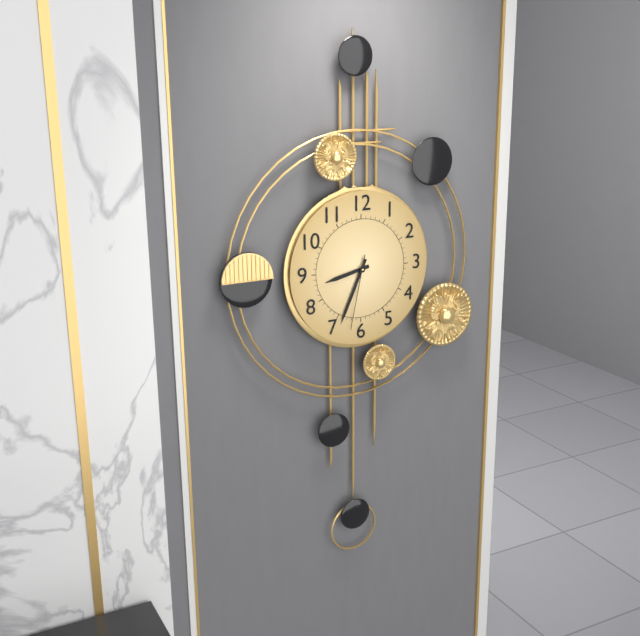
8:34:32
